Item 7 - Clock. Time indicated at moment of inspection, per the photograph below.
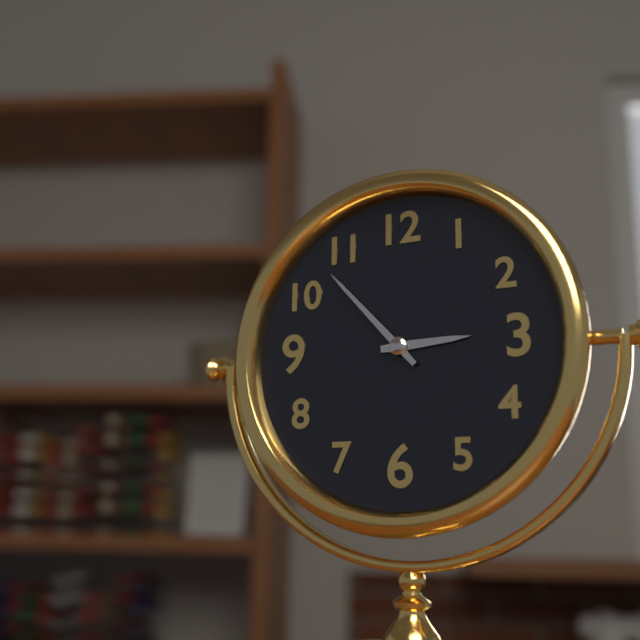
2:53
